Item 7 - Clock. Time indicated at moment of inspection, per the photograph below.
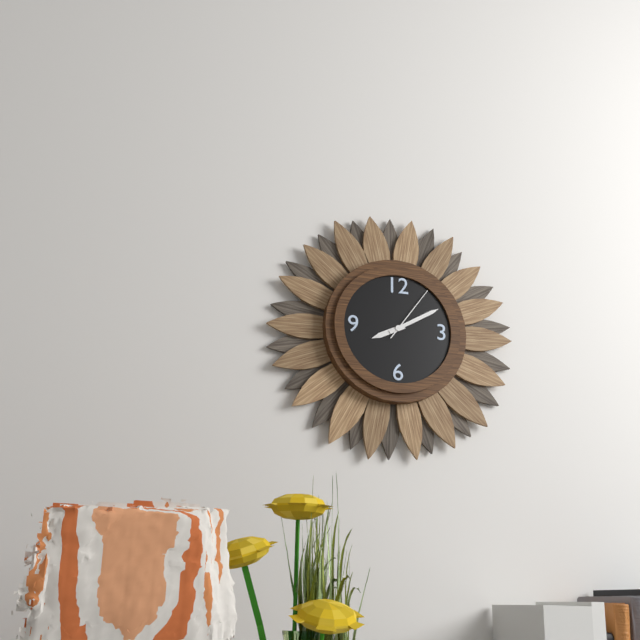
8:10:06
